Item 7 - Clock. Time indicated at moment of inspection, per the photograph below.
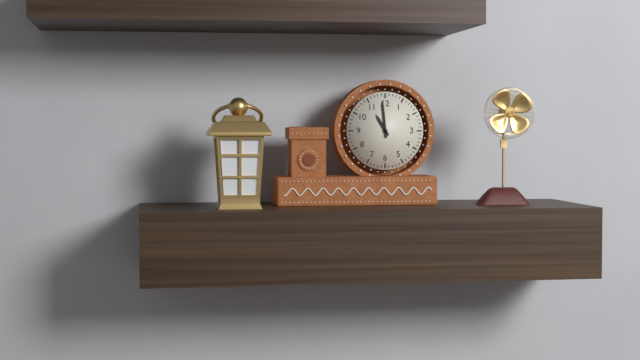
10:59
